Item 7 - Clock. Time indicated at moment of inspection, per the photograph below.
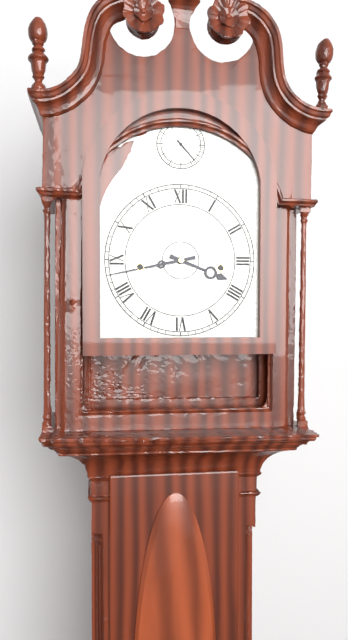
3:43
